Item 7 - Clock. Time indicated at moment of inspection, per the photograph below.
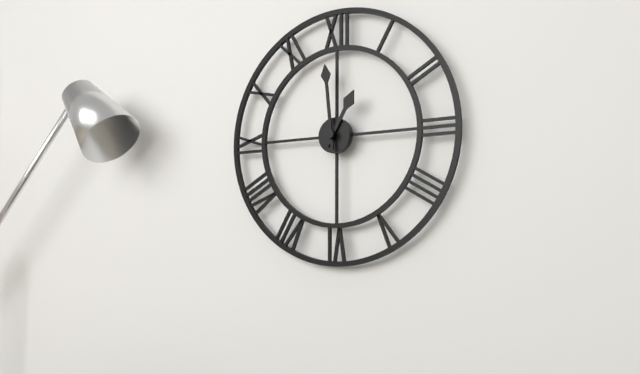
12:59
